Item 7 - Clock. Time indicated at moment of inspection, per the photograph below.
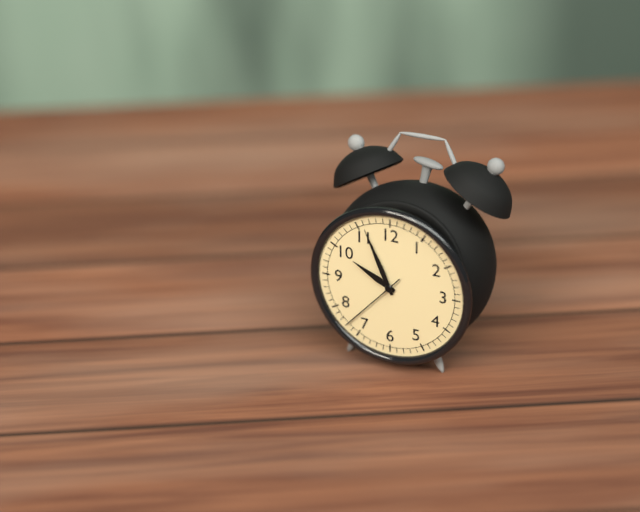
9:56:37
